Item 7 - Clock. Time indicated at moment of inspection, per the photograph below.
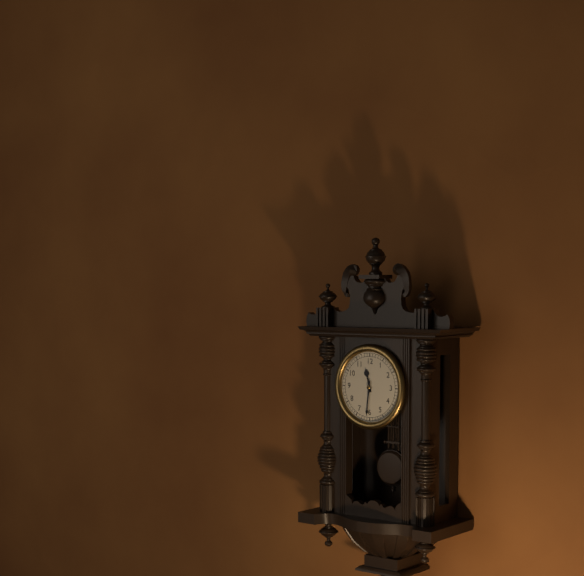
11:31
